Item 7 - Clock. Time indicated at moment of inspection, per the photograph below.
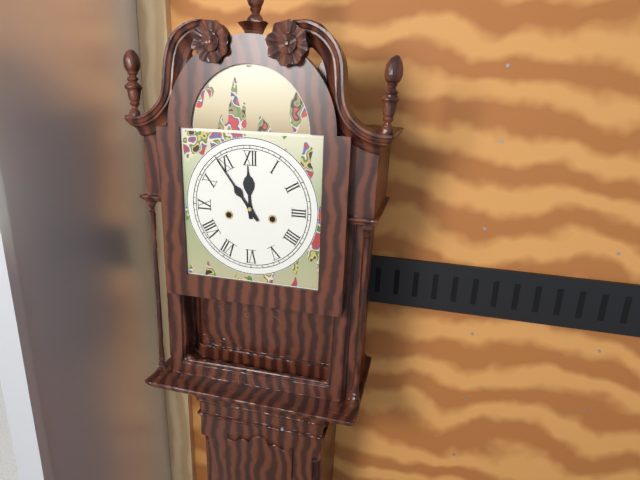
11:54
